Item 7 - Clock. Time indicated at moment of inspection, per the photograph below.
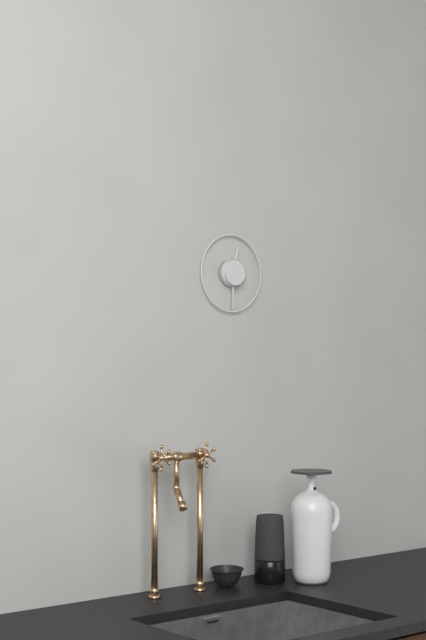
12:30
